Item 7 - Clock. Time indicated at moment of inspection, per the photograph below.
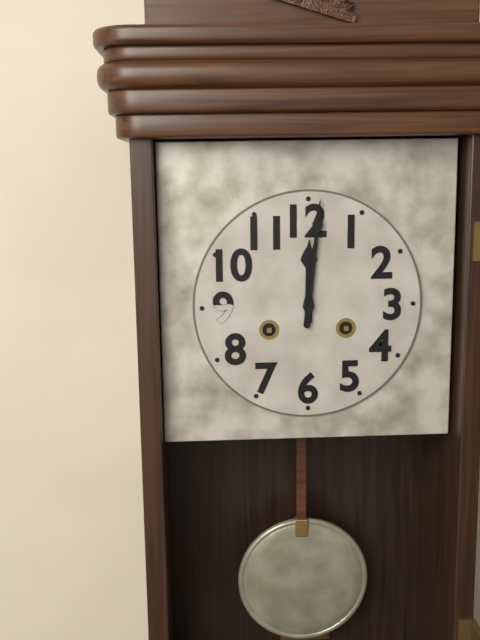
12:01
